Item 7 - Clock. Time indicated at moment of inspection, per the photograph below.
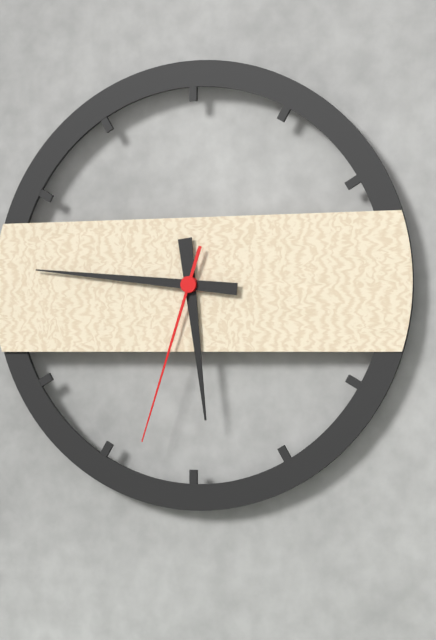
5:46:33
